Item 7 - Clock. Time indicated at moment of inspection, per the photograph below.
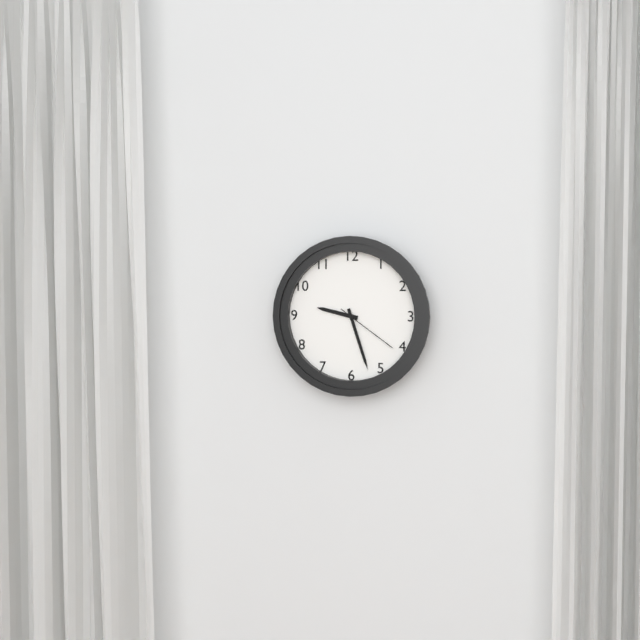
9:27:21
